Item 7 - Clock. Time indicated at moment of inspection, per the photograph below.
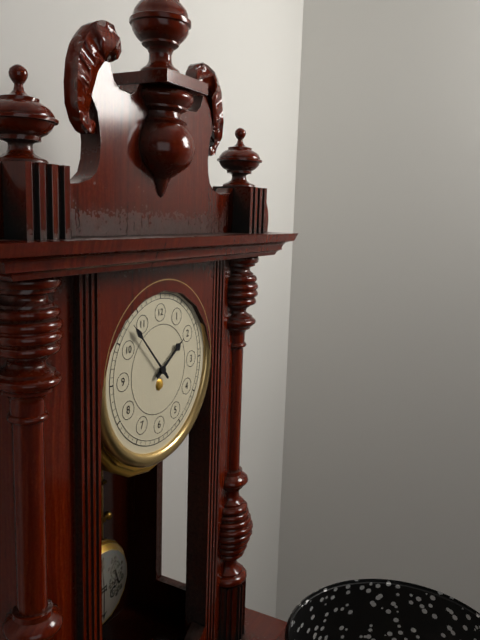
1:53
